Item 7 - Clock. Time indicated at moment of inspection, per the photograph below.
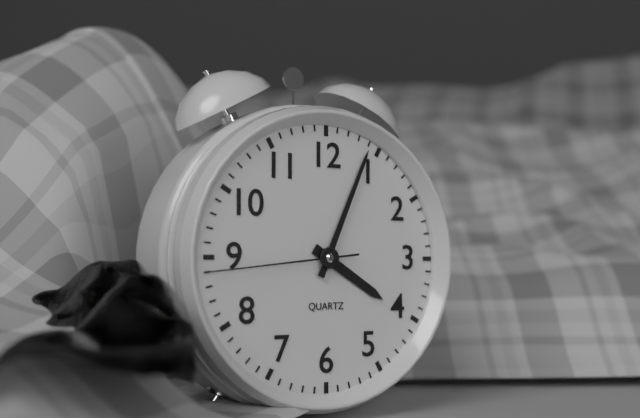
4:04:44
